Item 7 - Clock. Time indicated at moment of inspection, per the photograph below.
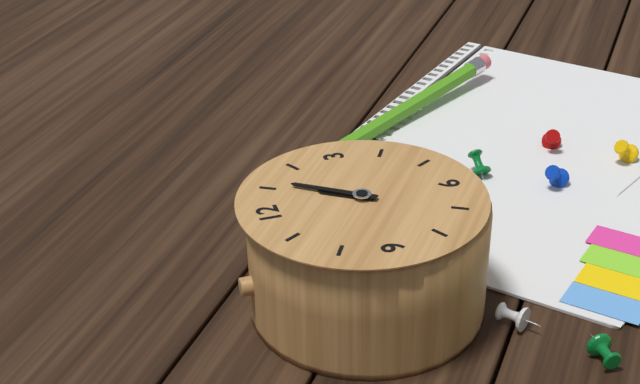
1:06
